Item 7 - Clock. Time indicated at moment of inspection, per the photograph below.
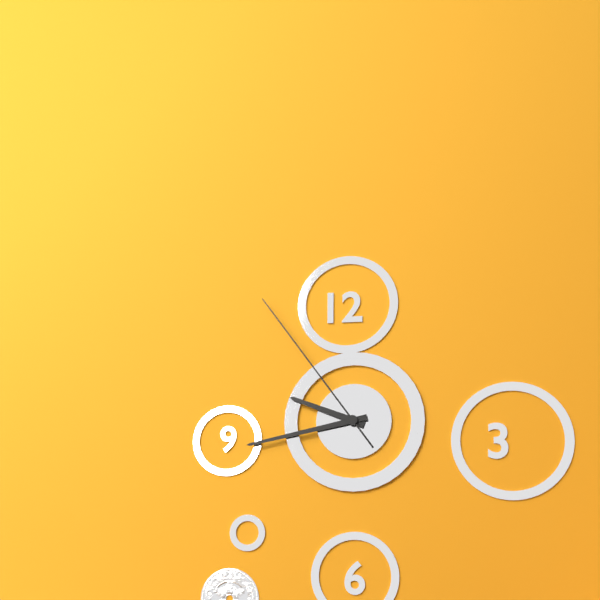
9:43:54
